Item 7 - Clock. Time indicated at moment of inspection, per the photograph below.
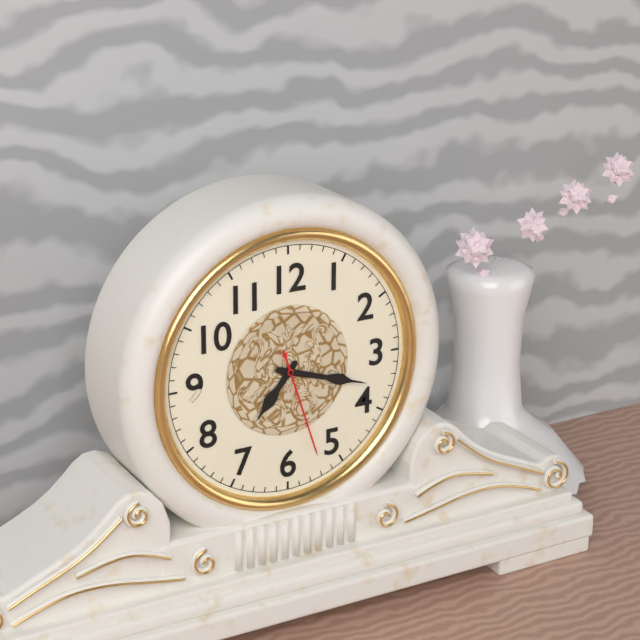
7:18:27
